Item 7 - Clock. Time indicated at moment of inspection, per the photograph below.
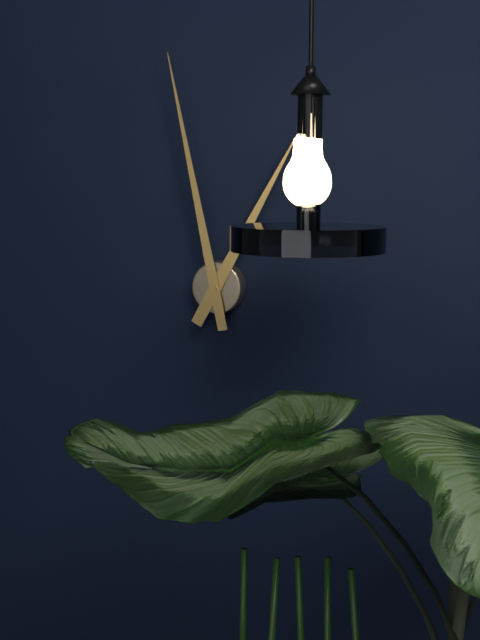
12:58
